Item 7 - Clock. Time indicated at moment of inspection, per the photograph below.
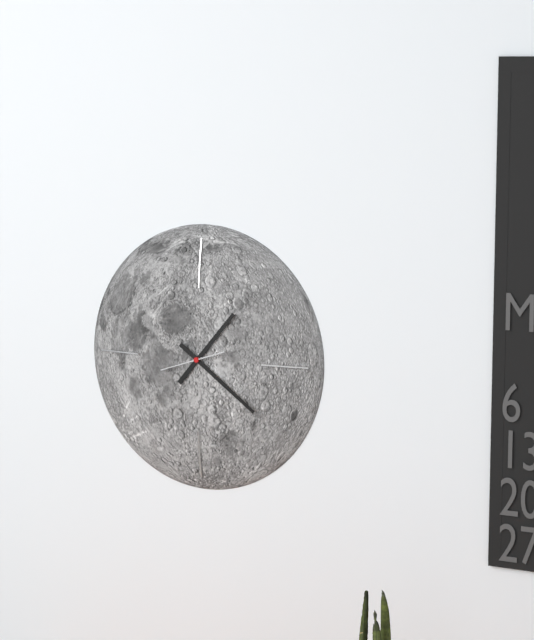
1:21
